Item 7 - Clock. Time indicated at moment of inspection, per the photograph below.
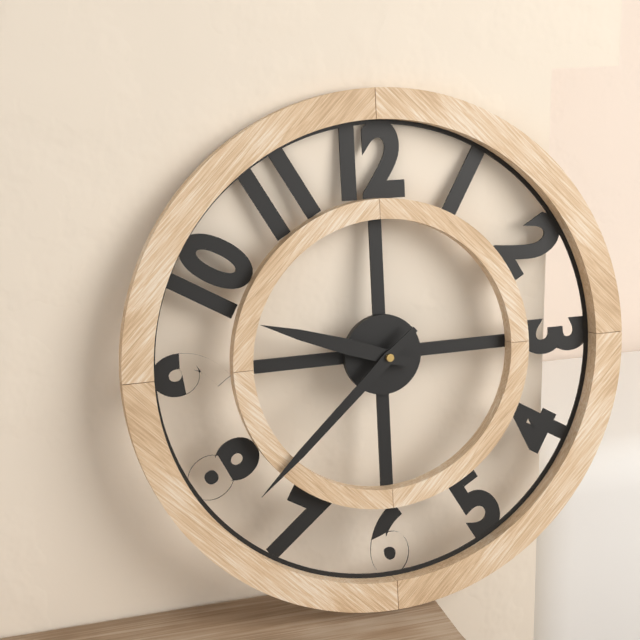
9:38
